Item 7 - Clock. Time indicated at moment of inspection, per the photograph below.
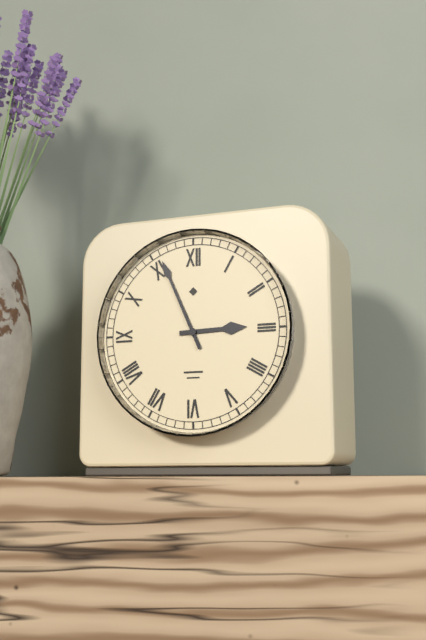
2:56
